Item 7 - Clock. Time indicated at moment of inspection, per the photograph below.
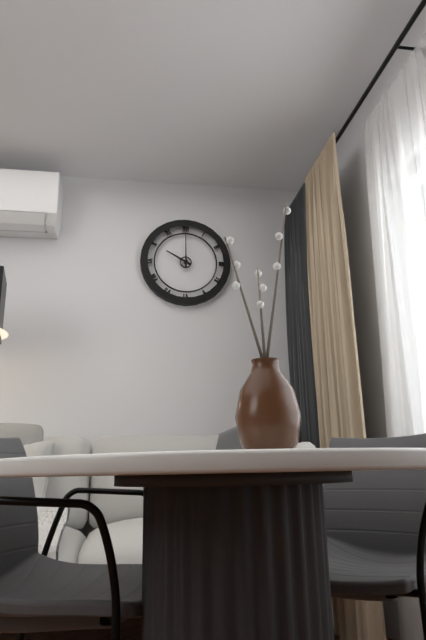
10:00
